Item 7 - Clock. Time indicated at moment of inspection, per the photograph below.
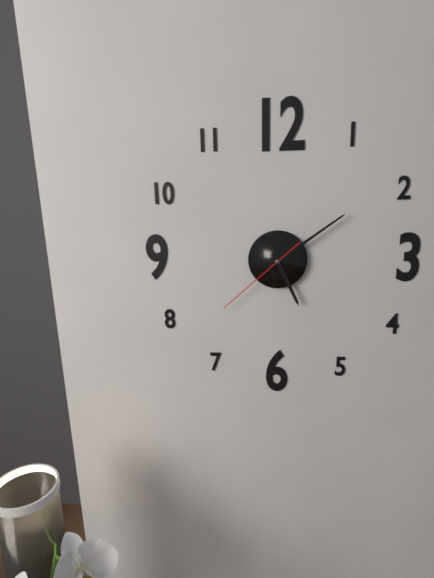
5:09:38
